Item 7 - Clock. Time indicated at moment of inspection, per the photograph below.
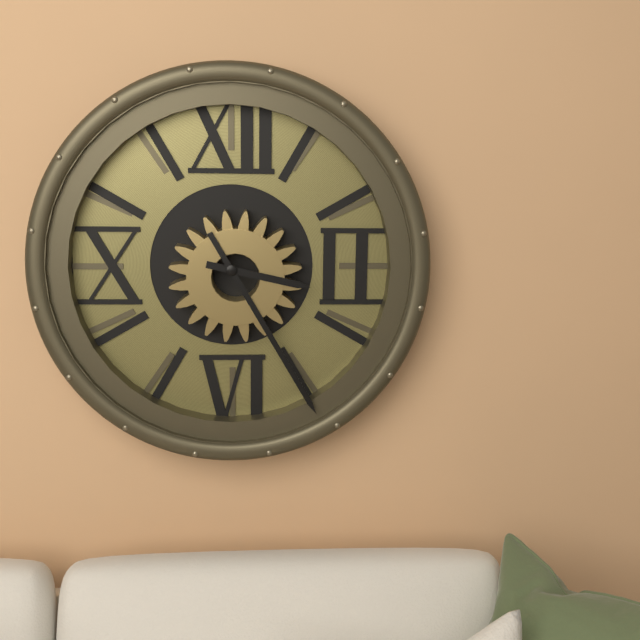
3:25
